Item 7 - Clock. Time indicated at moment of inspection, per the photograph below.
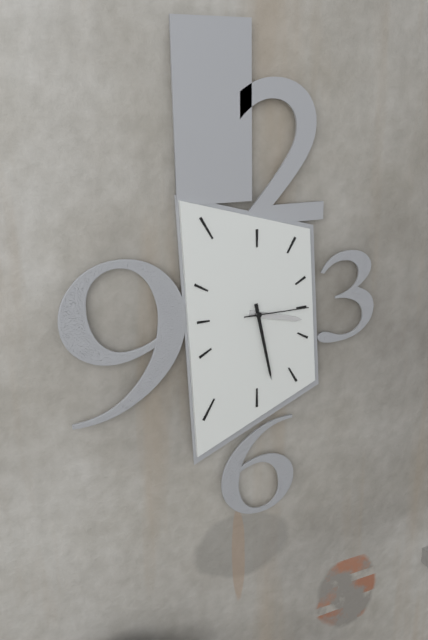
3:28:15
